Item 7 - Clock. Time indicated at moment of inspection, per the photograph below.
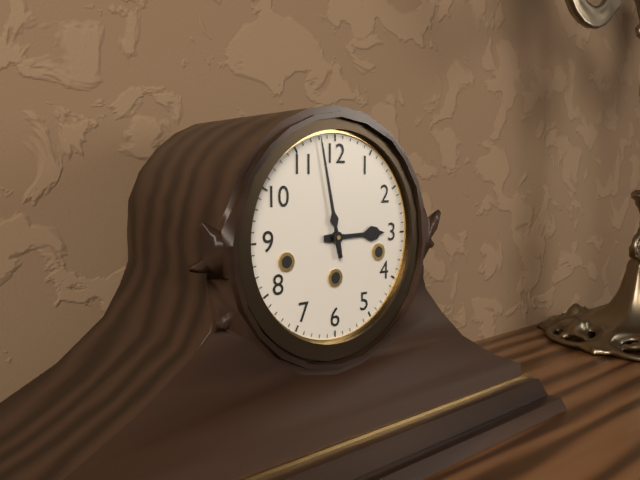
2:58
